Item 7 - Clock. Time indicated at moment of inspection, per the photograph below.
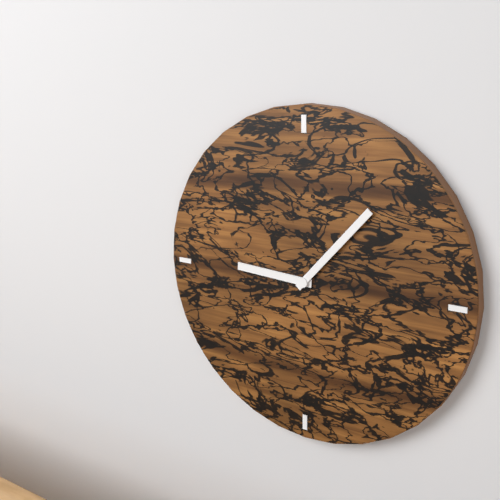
9:07
